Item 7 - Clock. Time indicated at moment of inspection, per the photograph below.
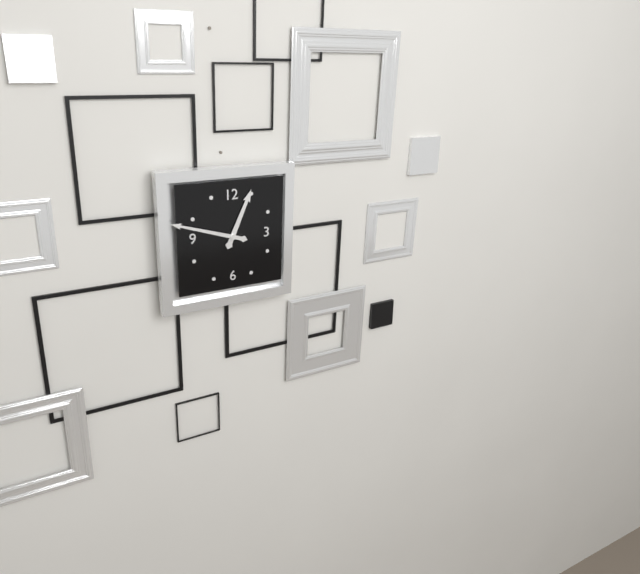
12:48
